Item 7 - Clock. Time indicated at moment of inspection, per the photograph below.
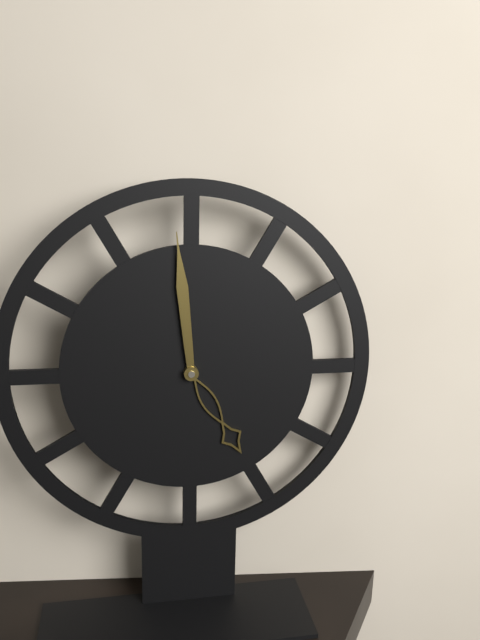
4:59
